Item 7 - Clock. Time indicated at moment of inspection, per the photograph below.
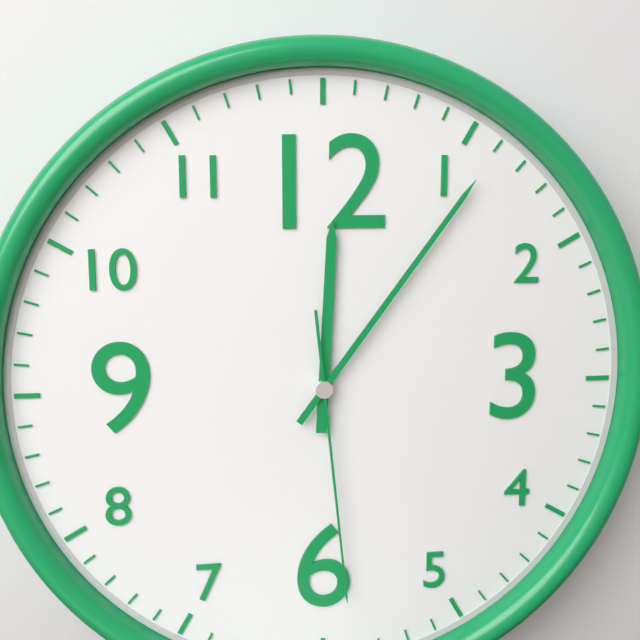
12:06:29
